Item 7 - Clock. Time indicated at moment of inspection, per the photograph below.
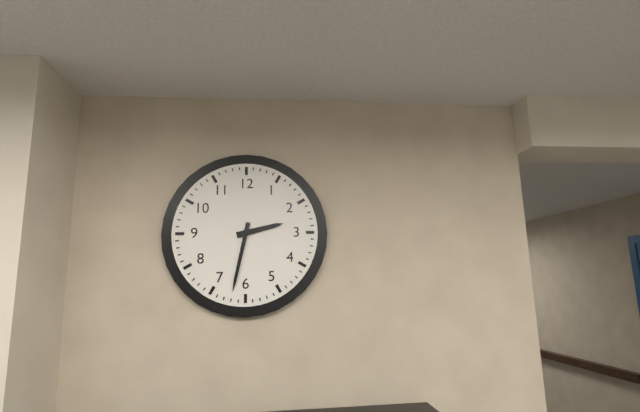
2:32
